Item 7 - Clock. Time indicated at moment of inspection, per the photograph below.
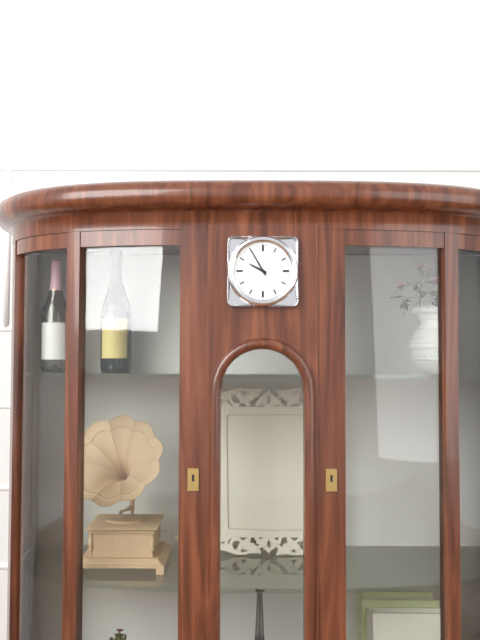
9:55
